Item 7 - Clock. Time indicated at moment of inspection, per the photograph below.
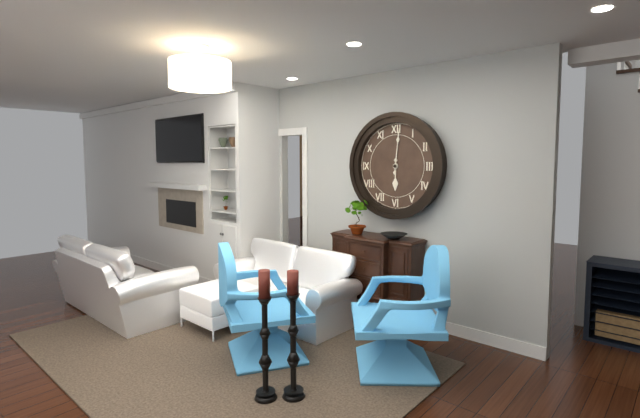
6:01
